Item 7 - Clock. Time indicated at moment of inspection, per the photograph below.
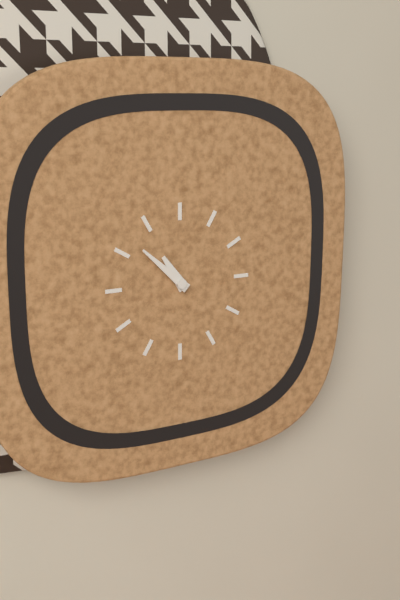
10:52
